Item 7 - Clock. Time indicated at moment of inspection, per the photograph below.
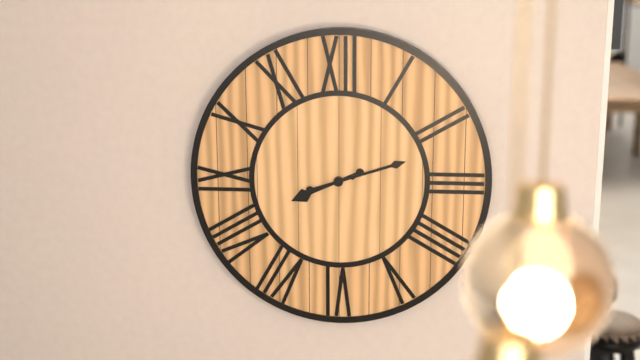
8:12
